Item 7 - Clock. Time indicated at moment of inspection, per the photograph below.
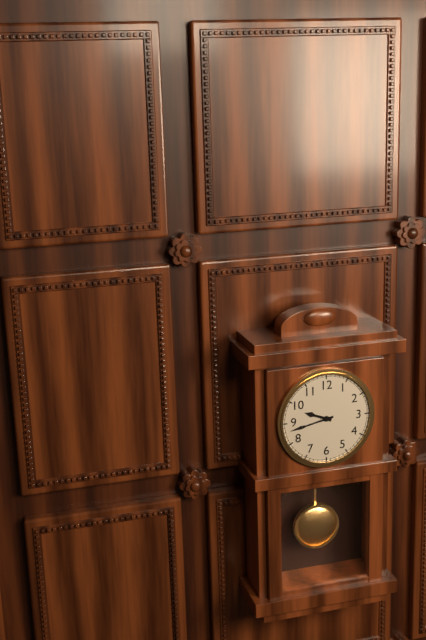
9:43
